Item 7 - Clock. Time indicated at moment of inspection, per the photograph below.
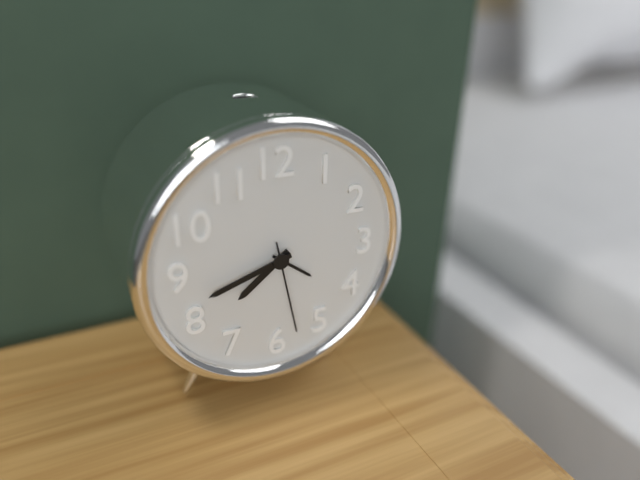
7:42:28
